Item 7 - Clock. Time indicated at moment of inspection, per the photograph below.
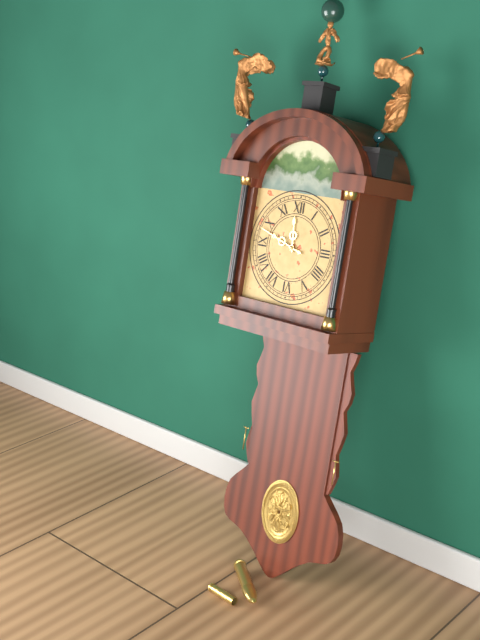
11:48
